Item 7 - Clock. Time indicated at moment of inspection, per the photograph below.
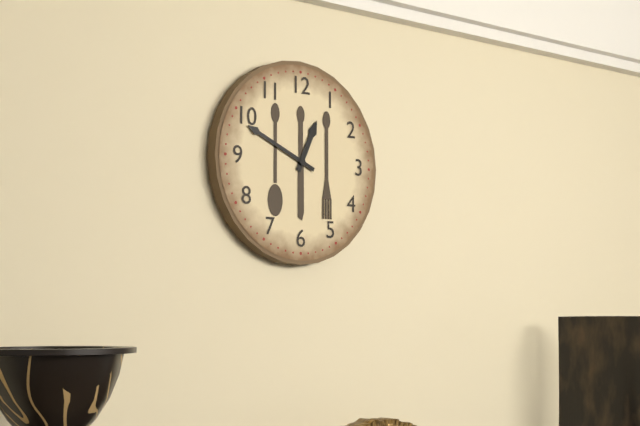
12:49
